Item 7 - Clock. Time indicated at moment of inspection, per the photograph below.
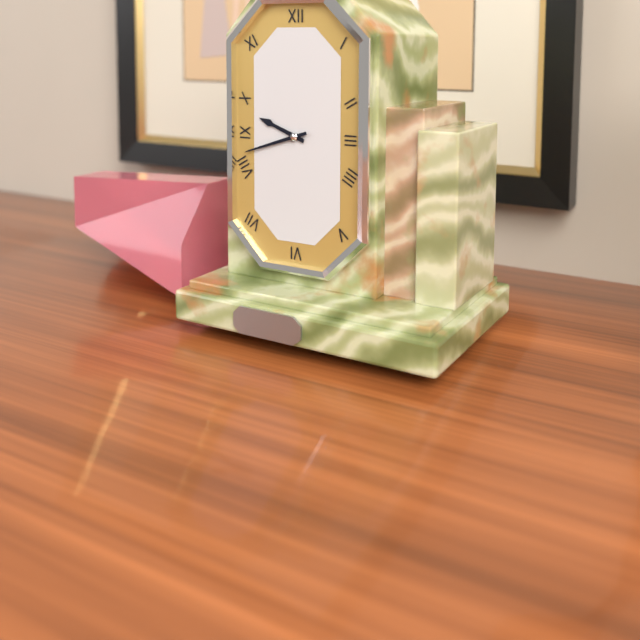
9:42
